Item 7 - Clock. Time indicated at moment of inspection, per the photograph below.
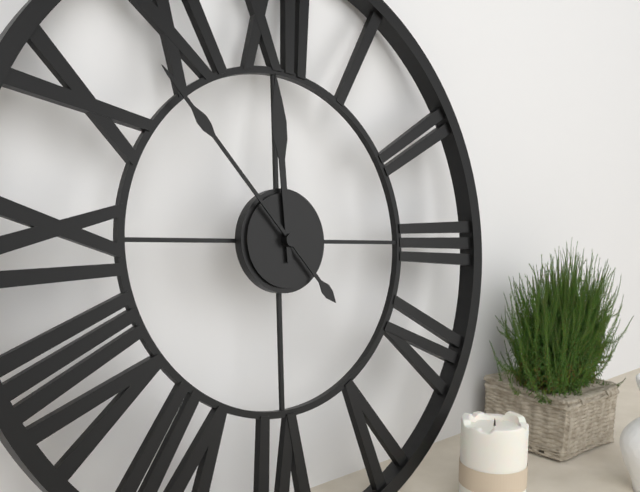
11:53
